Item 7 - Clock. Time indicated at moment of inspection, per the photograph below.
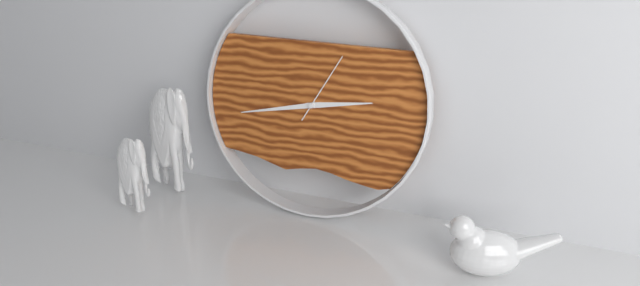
2:43:05
